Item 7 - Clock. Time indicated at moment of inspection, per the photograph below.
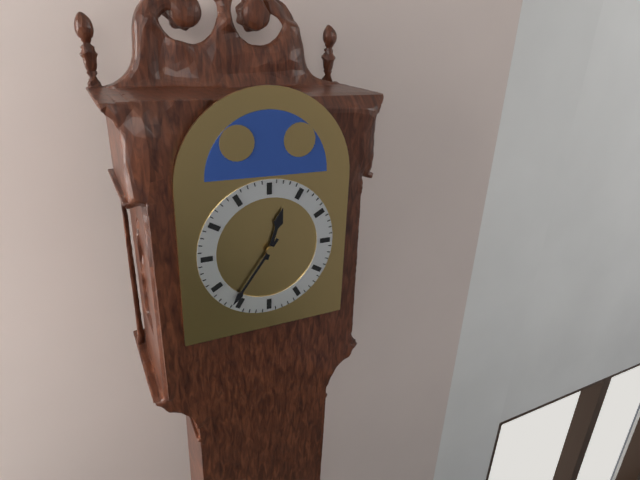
12:36
